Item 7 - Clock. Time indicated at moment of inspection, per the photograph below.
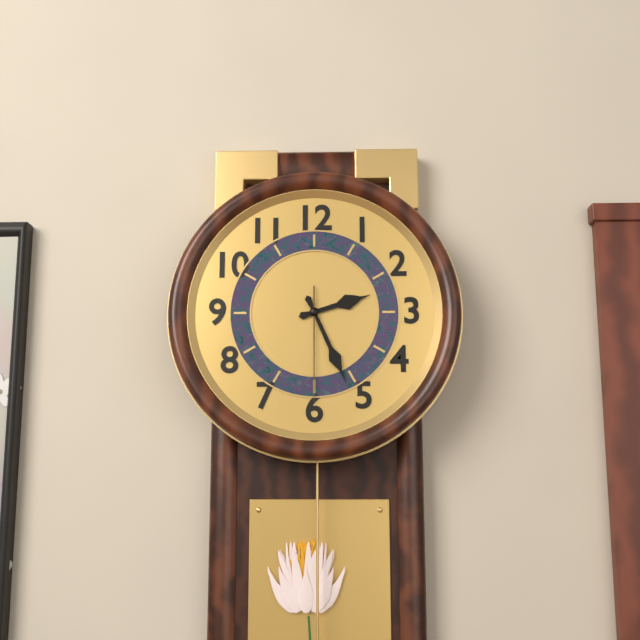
2:26:30
